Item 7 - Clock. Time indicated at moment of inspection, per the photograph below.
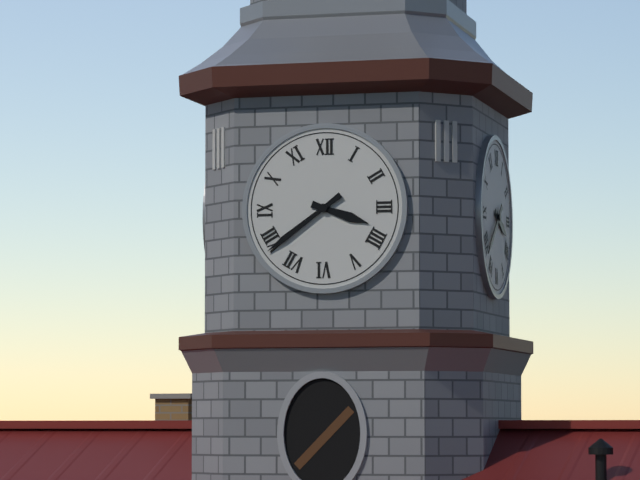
3:39
